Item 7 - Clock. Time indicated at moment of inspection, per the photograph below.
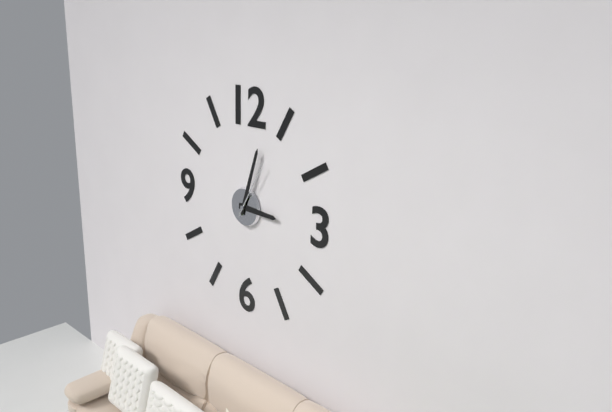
3:03:05
